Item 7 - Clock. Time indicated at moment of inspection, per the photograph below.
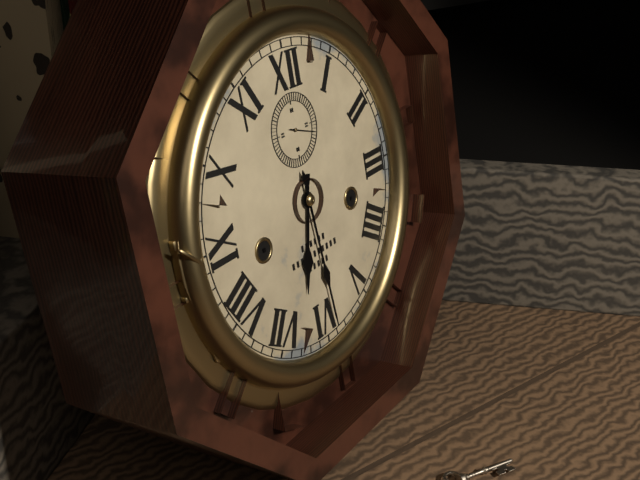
6:29
